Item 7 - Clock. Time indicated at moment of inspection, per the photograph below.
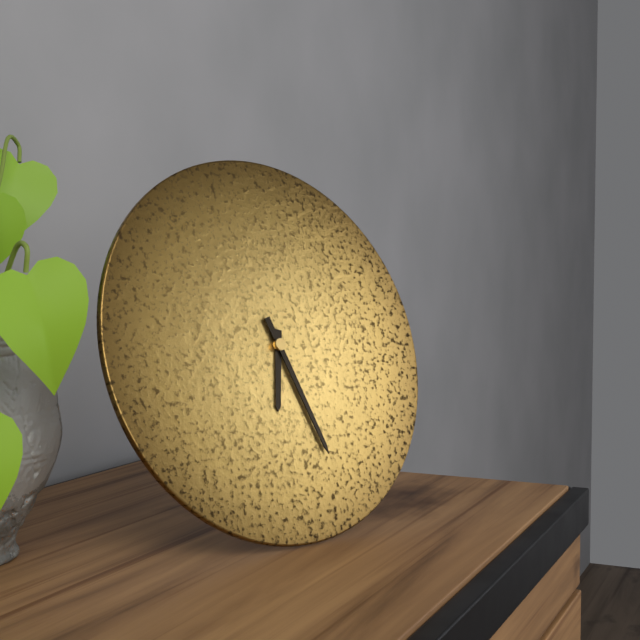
6:27
